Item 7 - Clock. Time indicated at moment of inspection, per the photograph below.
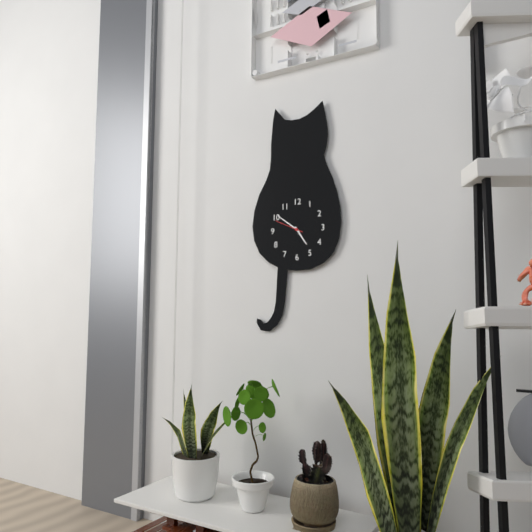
4:51
